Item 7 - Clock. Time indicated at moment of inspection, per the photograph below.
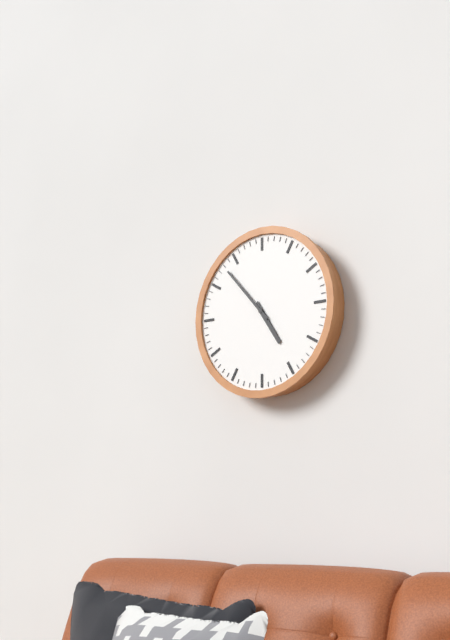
4:53
